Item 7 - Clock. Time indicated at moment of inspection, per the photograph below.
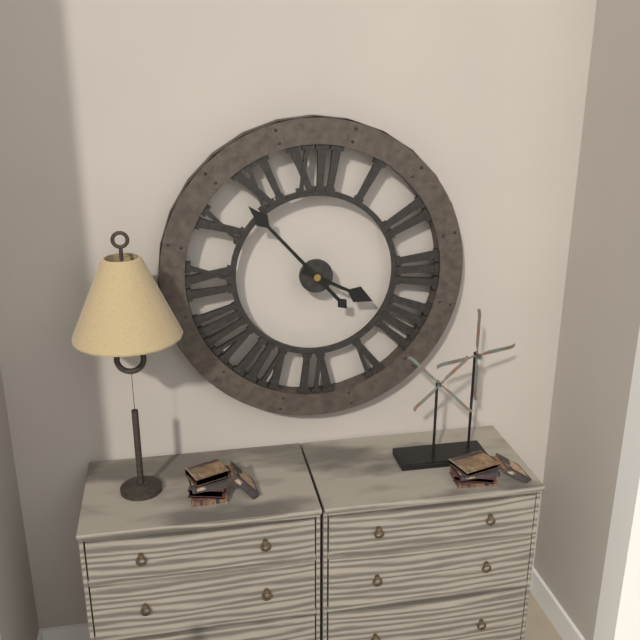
3:53
